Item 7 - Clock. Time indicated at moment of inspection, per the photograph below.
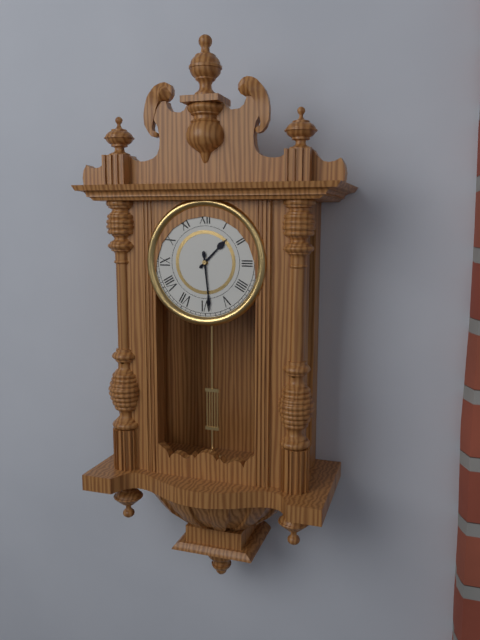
1:29
